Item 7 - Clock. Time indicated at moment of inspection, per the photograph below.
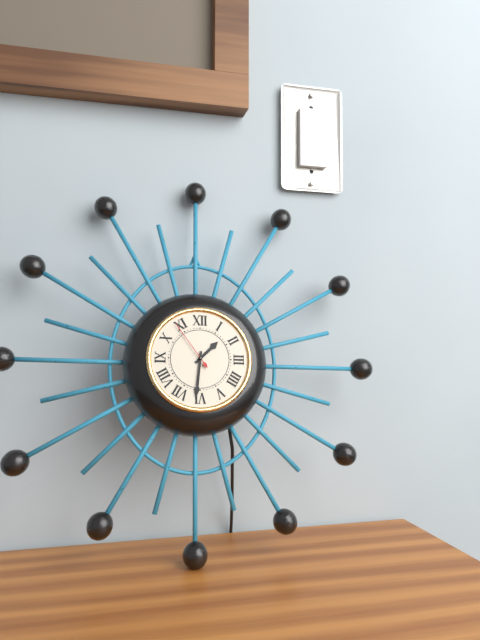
1:31:54
